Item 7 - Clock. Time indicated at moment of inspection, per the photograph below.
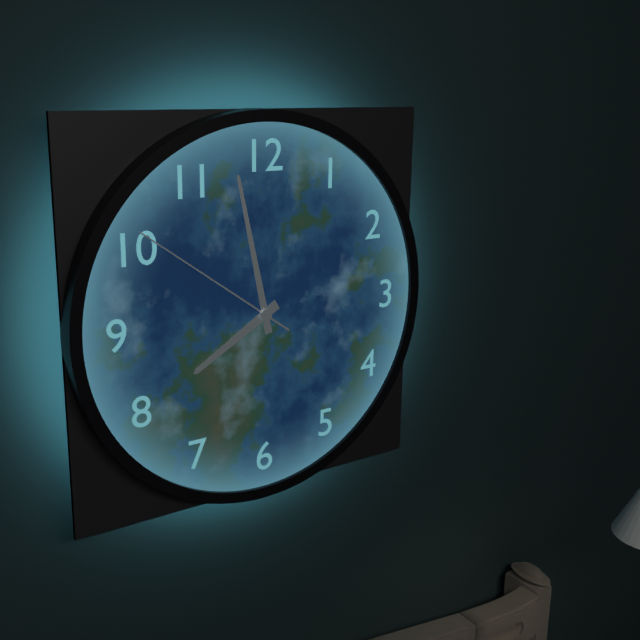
7:58:51
